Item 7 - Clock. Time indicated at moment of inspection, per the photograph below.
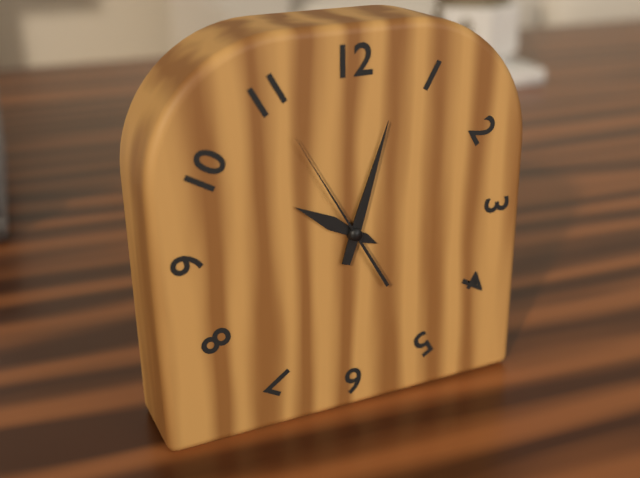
10:03:55
